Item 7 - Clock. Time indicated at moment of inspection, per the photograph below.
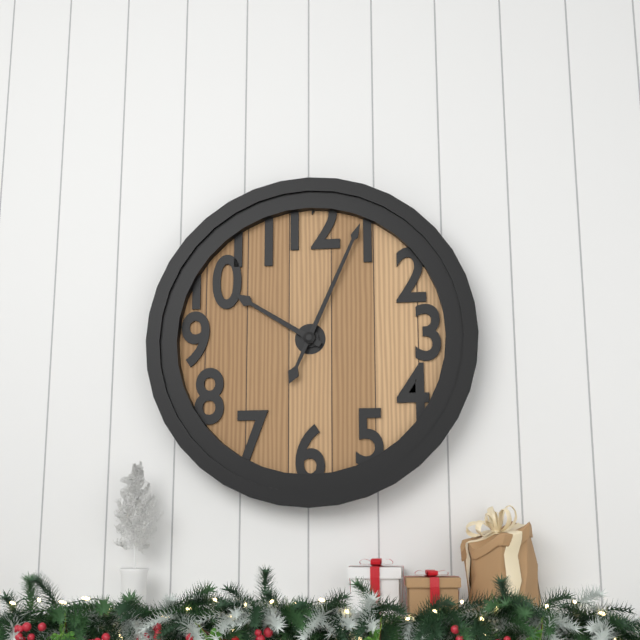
10:04
